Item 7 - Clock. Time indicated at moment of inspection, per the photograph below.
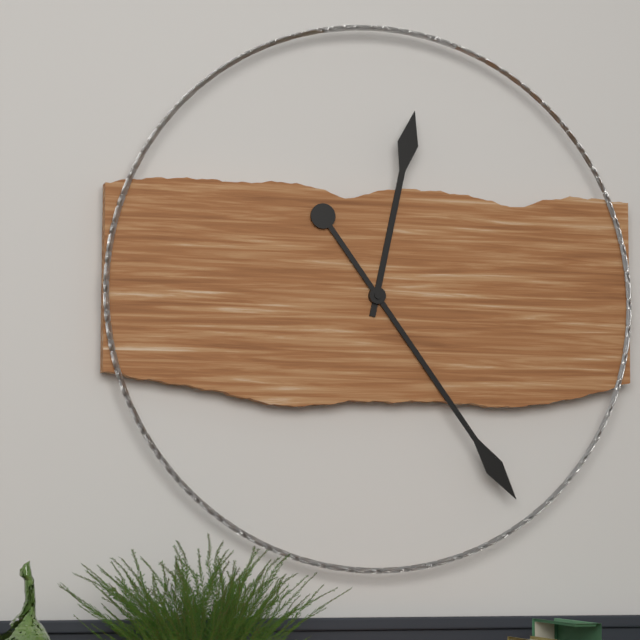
12:24
